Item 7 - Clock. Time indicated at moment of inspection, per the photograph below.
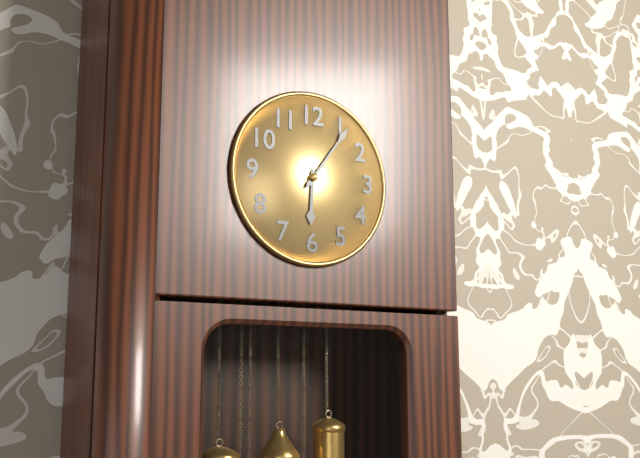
6:06
